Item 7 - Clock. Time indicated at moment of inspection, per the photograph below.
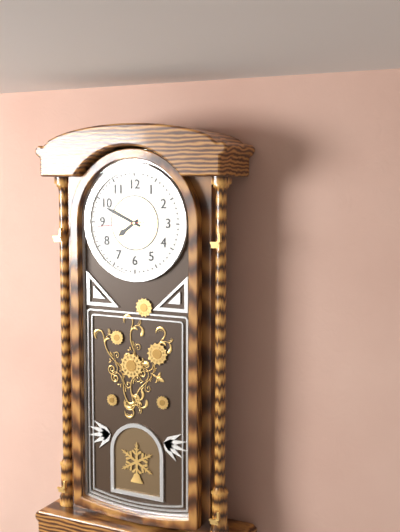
7:49:44
